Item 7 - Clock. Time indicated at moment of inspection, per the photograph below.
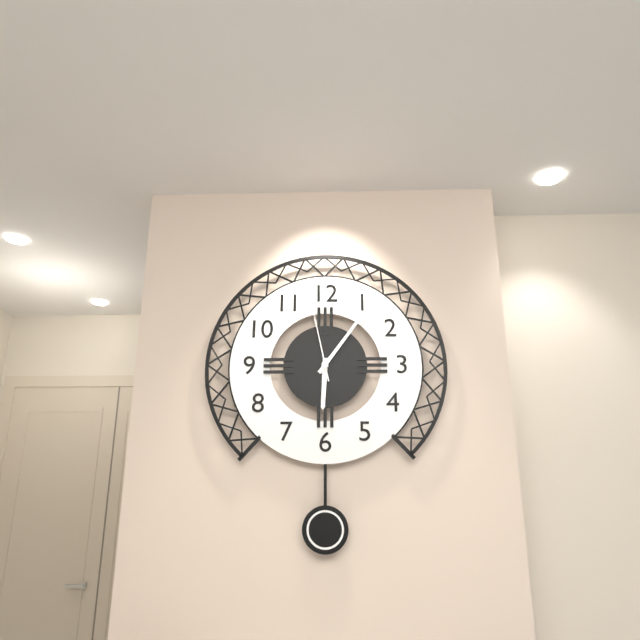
6:06:58
